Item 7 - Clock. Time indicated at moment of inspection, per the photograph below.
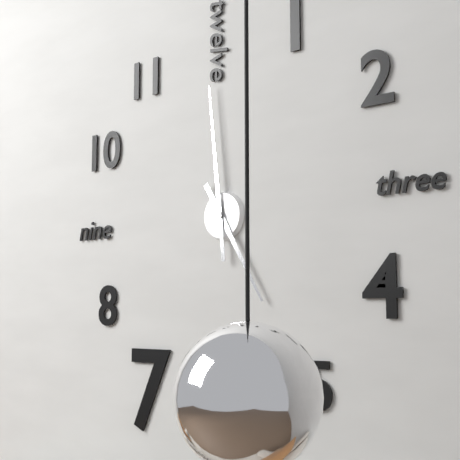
4:59
